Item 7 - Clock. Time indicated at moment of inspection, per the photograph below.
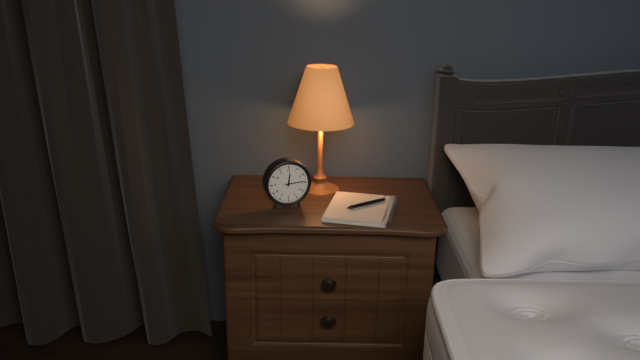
12:14
